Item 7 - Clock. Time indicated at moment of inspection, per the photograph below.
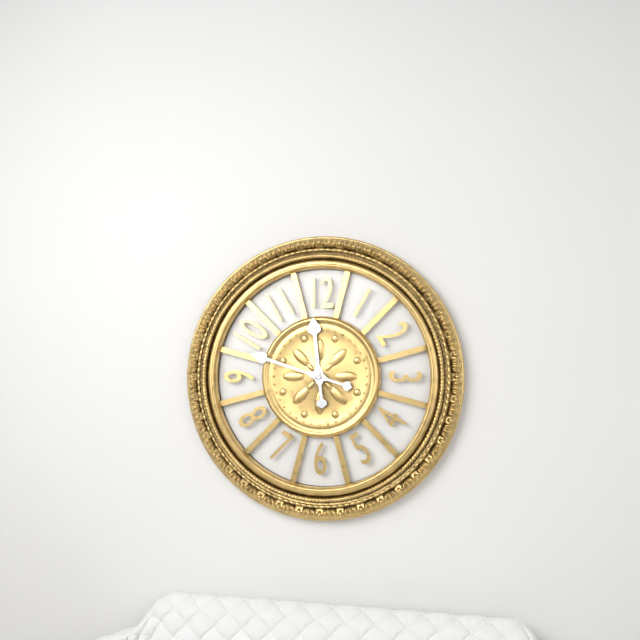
11:48
